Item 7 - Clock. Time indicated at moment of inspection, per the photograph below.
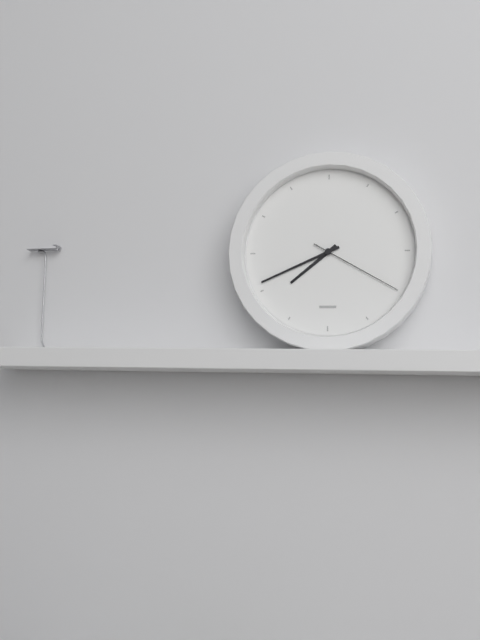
7:41:20
